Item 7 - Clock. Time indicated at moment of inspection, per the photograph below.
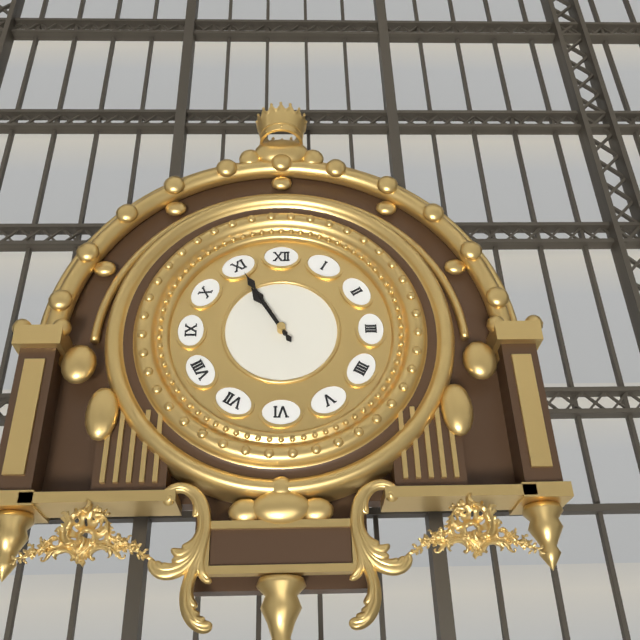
10:55
